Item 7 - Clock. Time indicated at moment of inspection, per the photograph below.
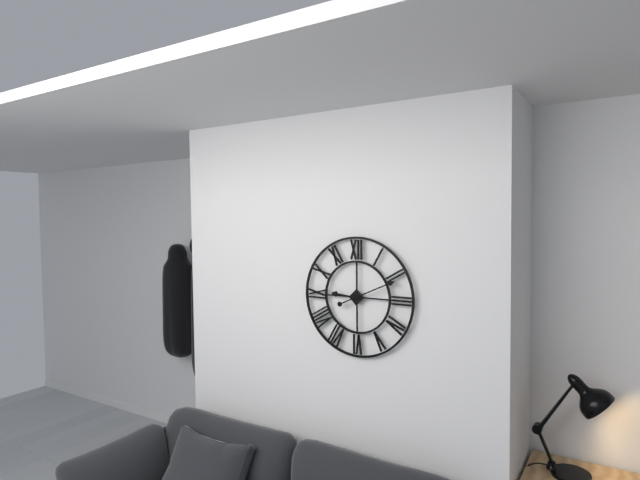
9:11
